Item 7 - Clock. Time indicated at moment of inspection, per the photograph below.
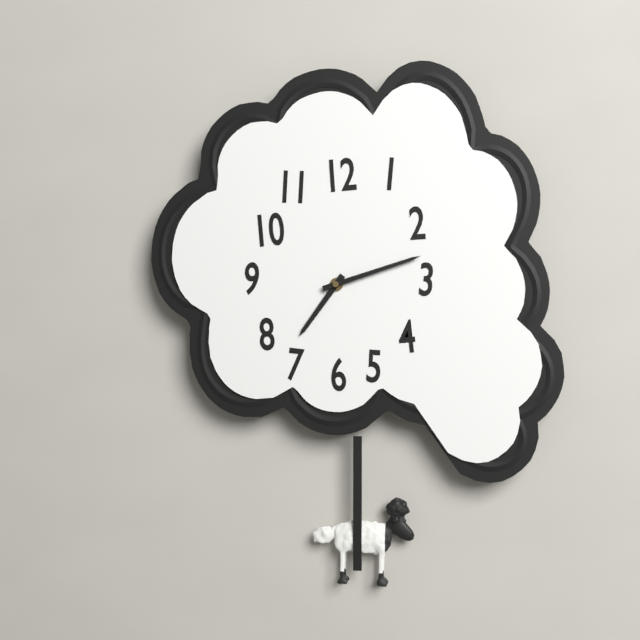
7:12
